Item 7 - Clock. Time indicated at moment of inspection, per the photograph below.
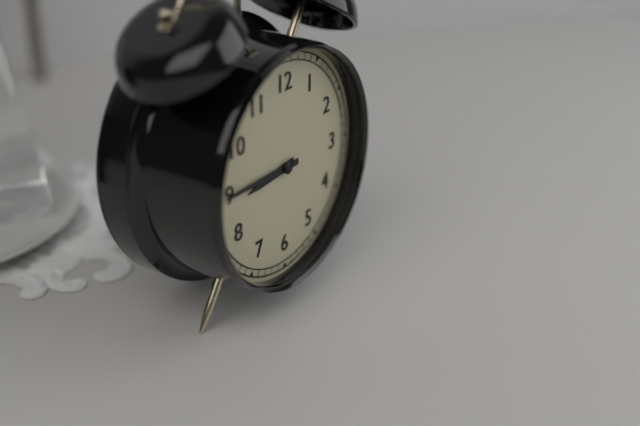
8:45
